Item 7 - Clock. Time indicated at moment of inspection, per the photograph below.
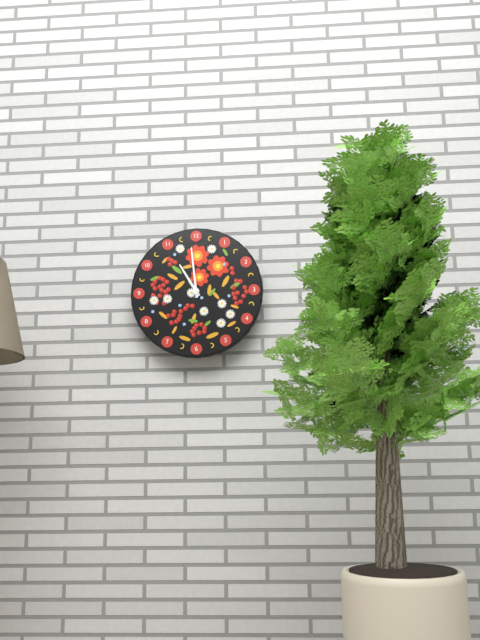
10:59
